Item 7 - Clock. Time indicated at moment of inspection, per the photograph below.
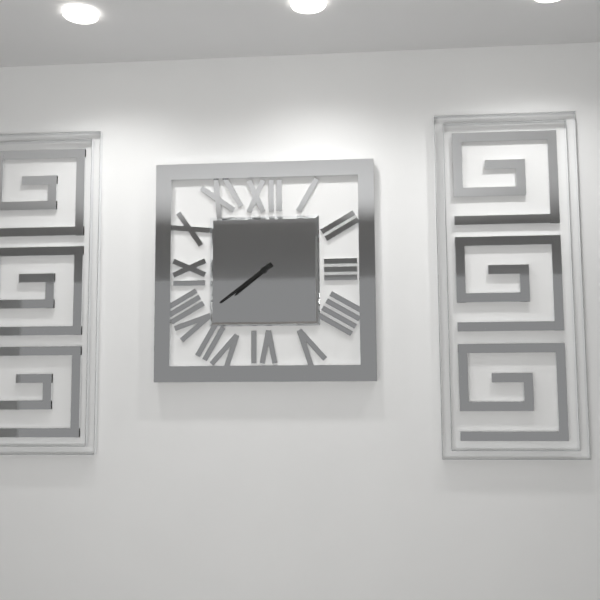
7:39
